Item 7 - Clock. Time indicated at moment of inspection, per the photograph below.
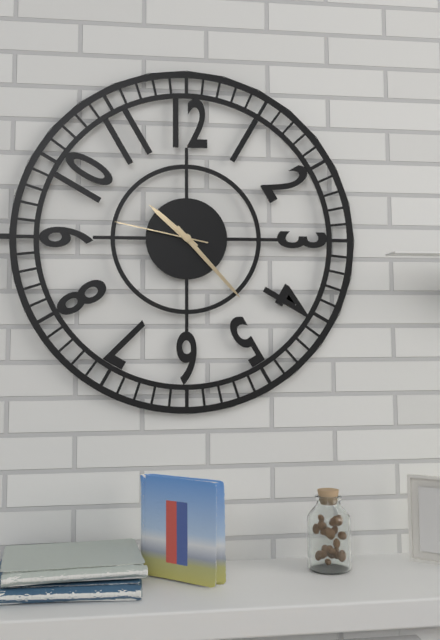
10:23:47
